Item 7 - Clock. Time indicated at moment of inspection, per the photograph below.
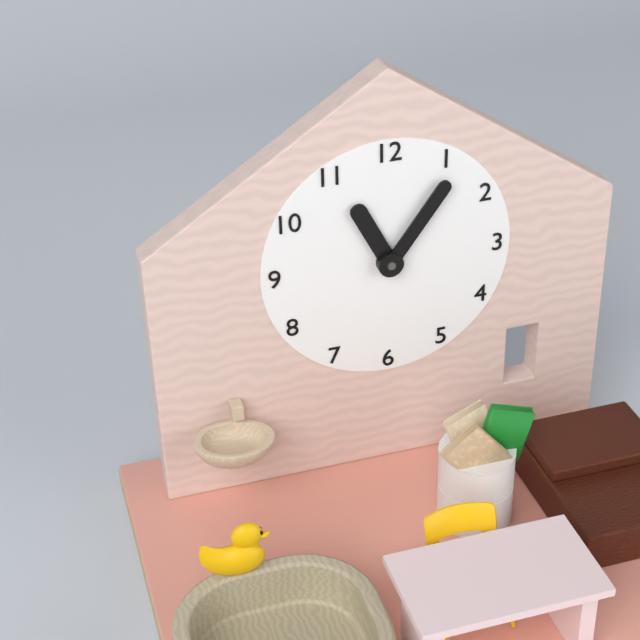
11:06
